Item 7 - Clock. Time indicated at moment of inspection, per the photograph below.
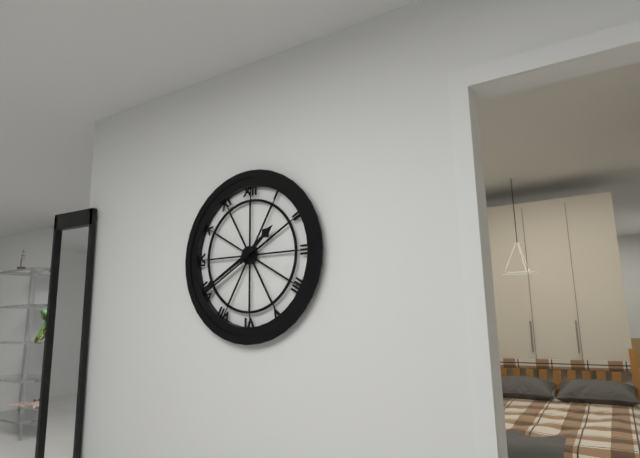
1:40
